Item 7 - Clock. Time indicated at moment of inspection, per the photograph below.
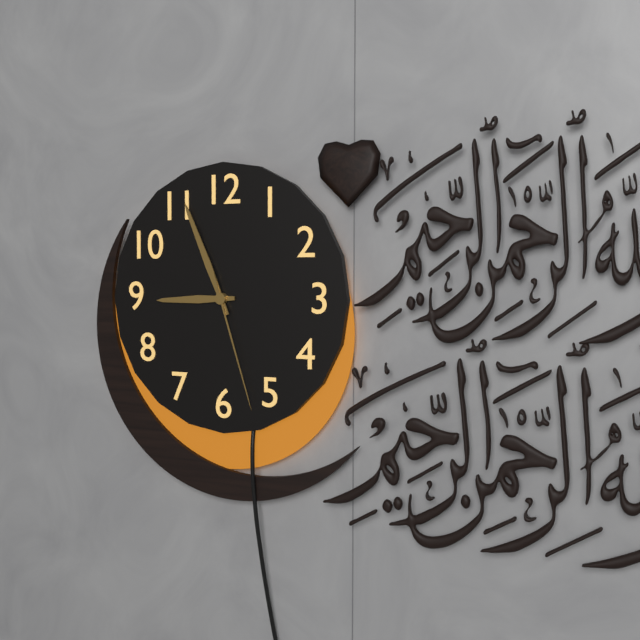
8:56:27
